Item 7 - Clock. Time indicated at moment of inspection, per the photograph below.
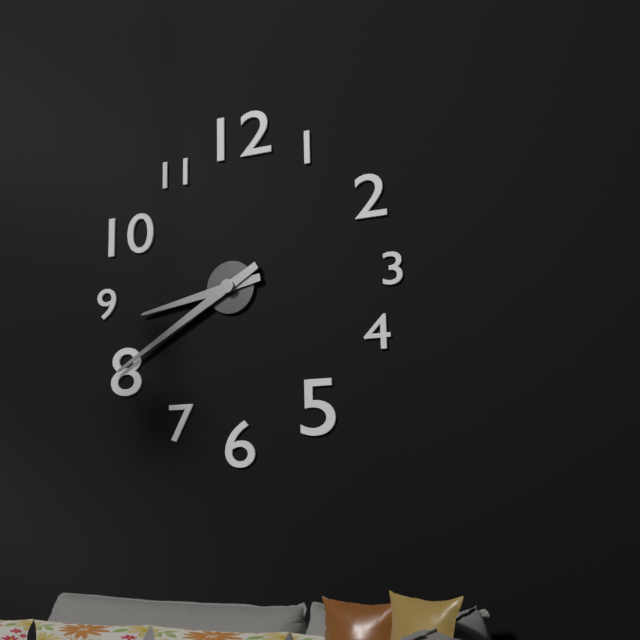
8:40
